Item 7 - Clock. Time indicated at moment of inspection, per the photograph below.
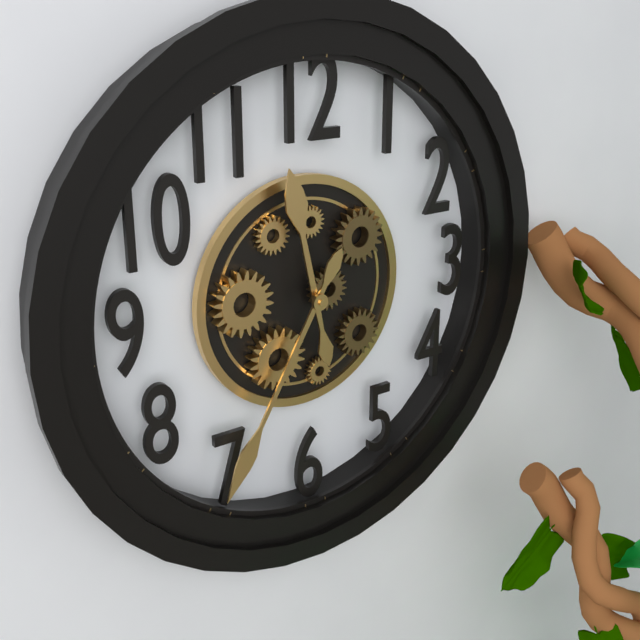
11:35
